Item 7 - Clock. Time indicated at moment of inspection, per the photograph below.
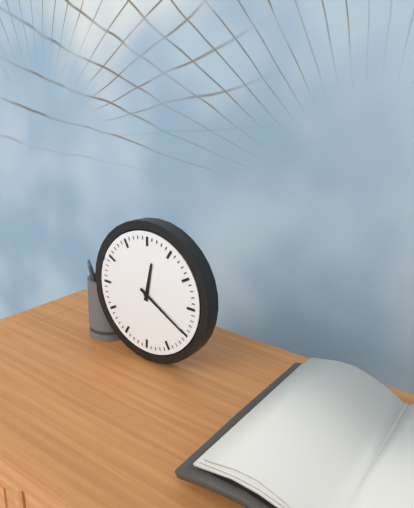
12:20
